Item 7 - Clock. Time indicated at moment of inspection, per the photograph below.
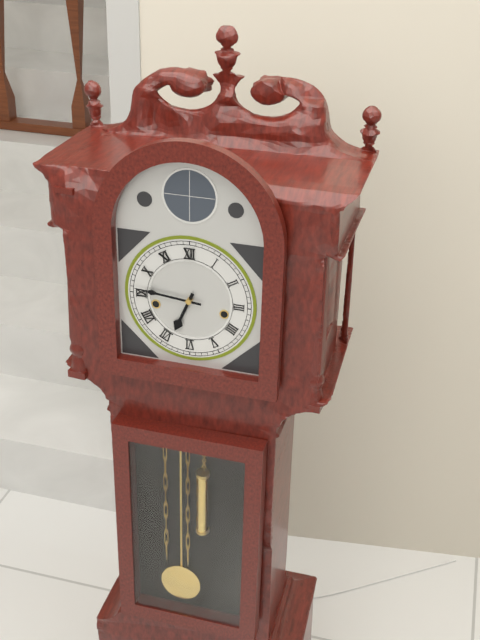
6:46
